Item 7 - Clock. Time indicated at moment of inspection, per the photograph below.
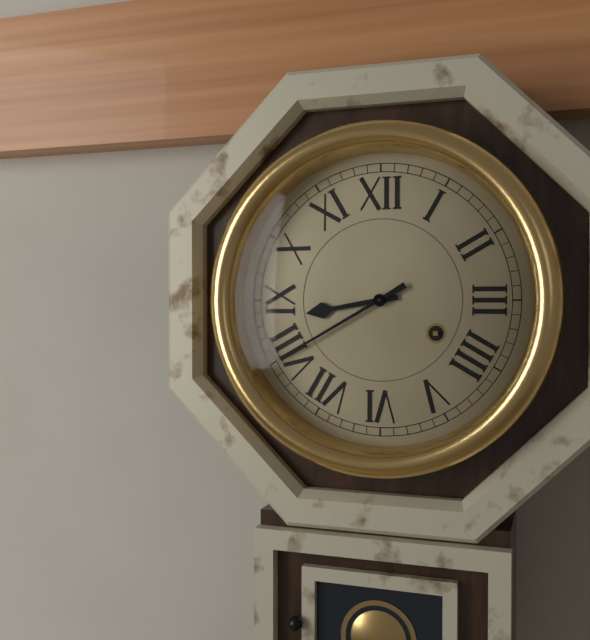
8:40
